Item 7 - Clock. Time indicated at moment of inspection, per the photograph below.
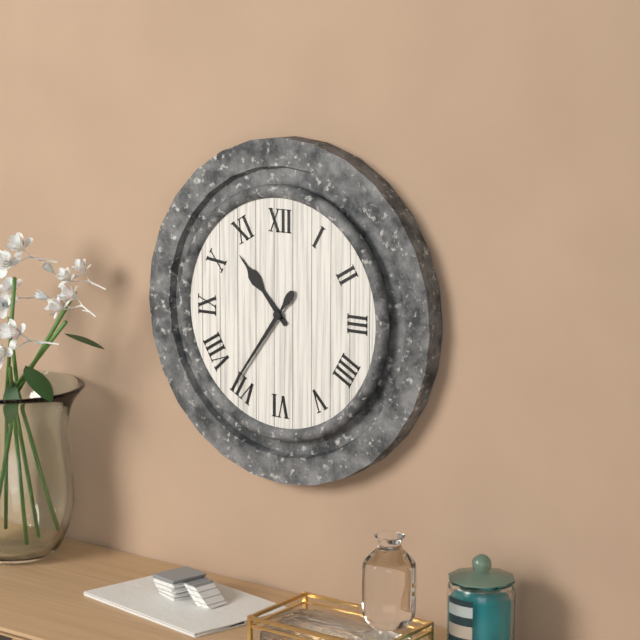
10:36
